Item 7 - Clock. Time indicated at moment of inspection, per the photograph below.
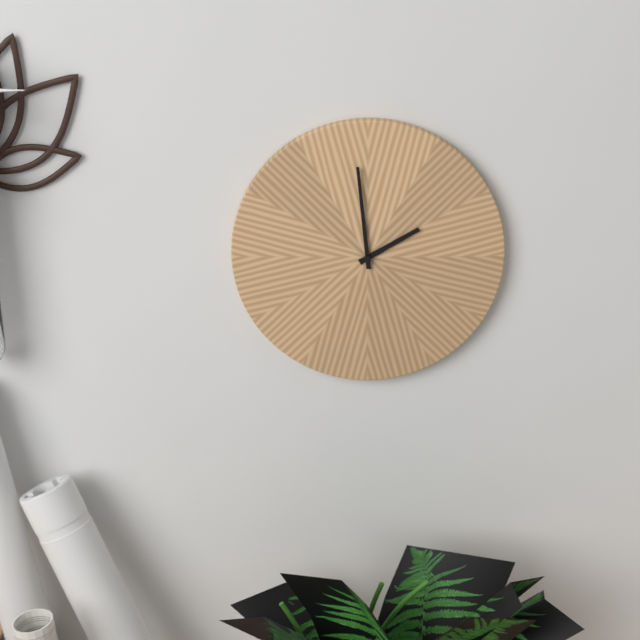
1:59
